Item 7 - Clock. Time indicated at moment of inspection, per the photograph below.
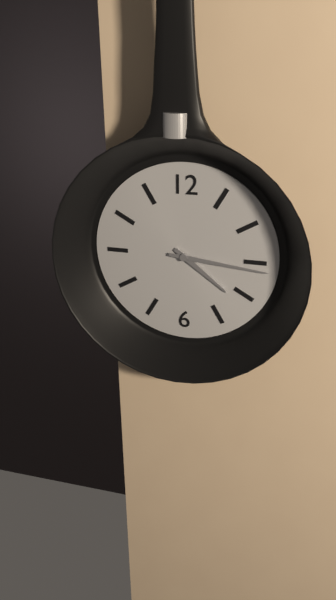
4:16
